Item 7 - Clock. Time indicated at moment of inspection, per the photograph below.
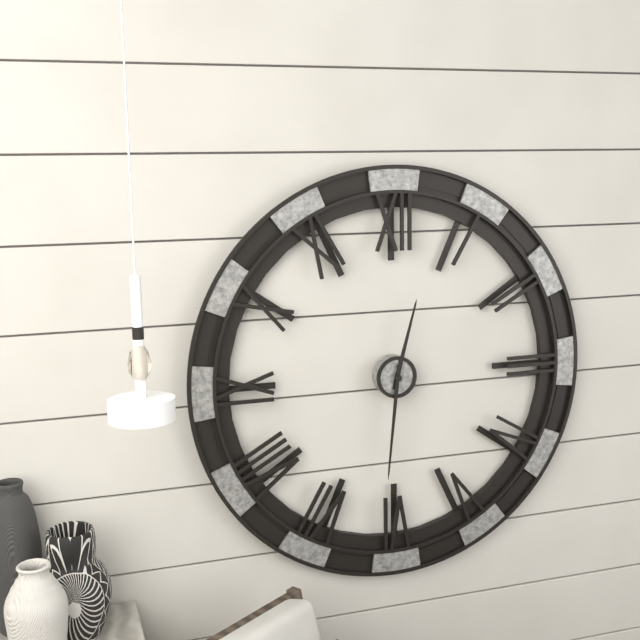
12:31
